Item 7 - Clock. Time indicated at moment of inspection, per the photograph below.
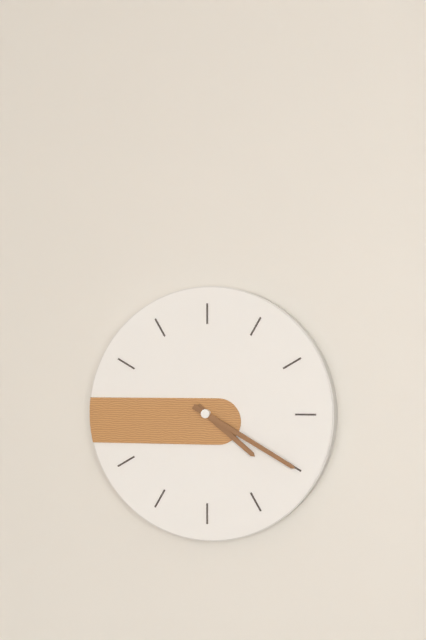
4:20
